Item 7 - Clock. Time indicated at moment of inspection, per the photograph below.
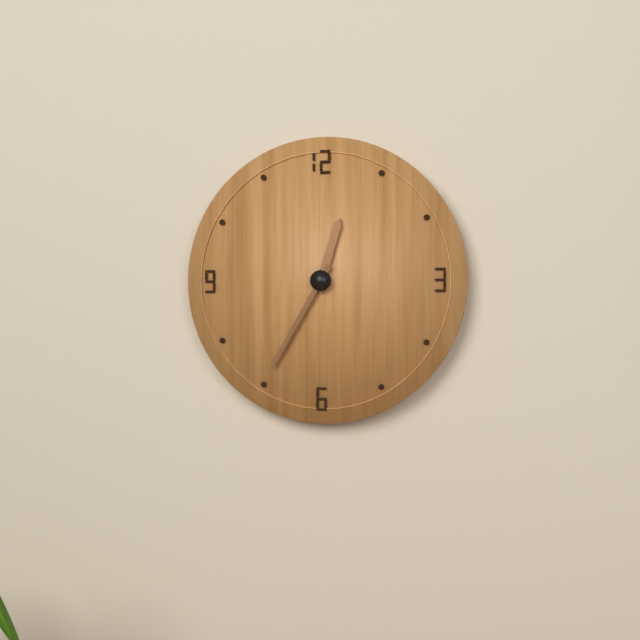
12:35
